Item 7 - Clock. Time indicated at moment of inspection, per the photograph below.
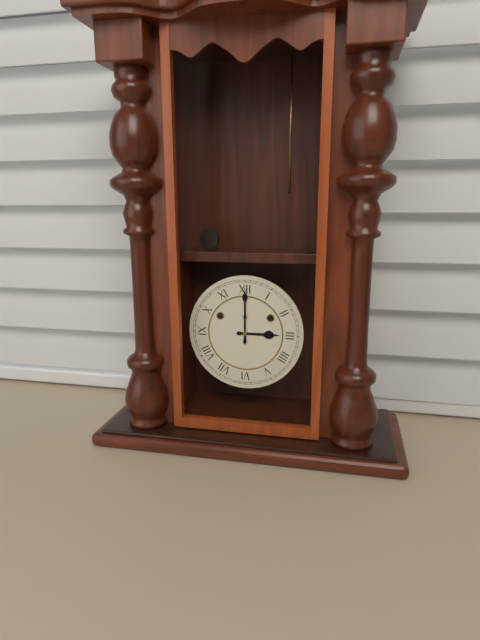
3:00
